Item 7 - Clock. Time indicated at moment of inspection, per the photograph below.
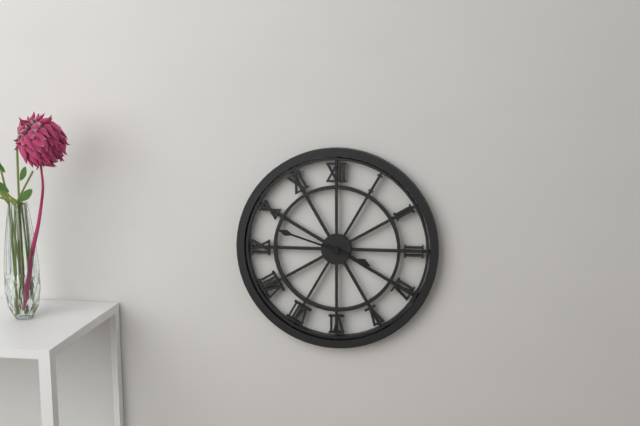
3:48
